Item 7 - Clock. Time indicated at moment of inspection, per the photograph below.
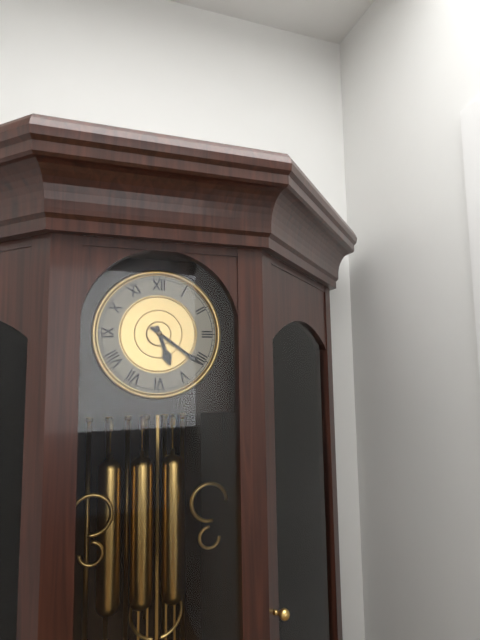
5:21
